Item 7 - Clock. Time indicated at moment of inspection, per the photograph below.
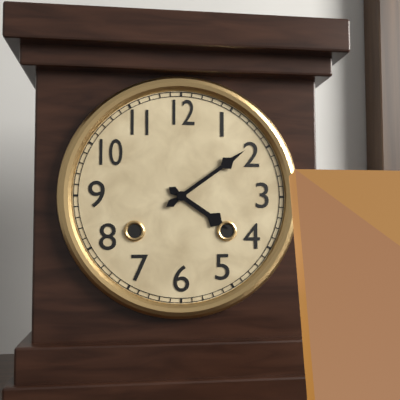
4:09
